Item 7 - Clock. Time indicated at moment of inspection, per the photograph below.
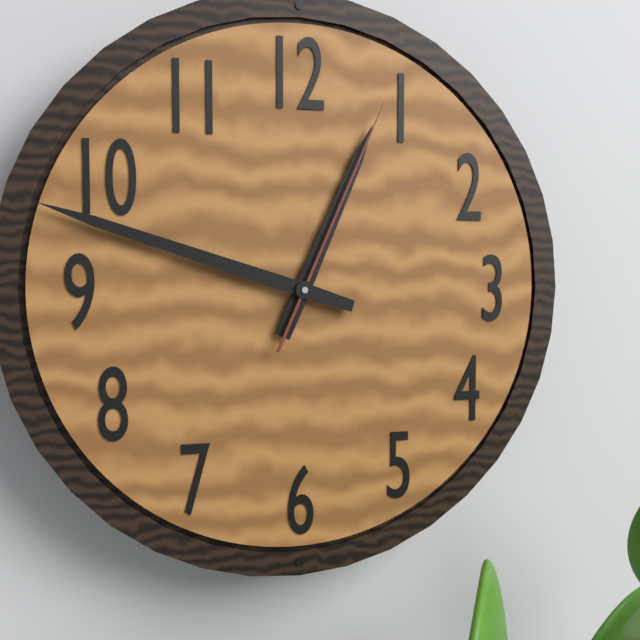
12:48:04
